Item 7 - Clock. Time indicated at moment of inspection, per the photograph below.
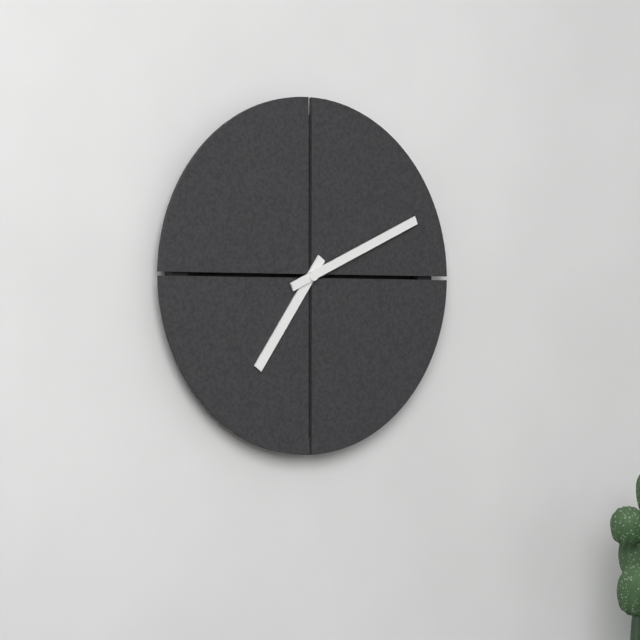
7:11
